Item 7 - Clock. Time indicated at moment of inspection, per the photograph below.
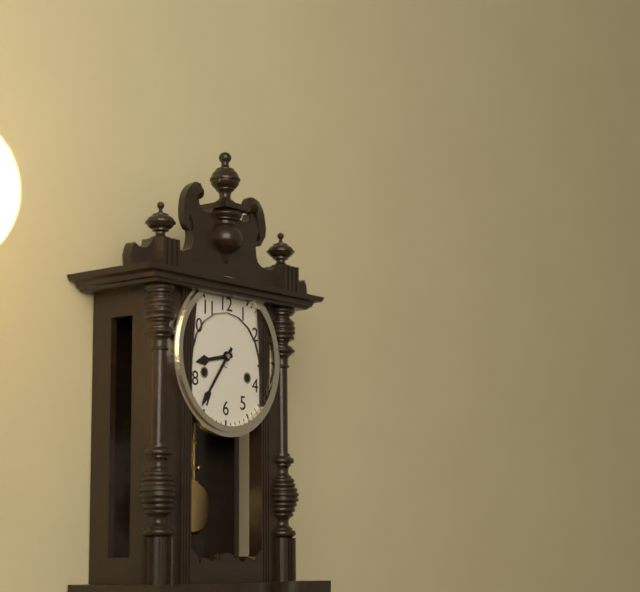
8:36
